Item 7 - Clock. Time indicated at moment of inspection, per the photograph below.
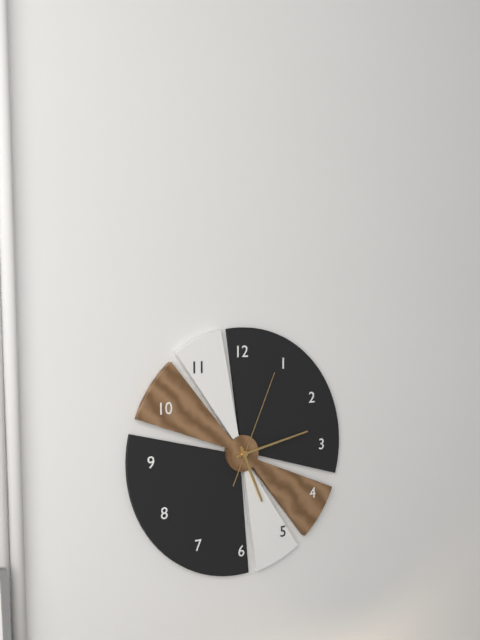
5:13:04
